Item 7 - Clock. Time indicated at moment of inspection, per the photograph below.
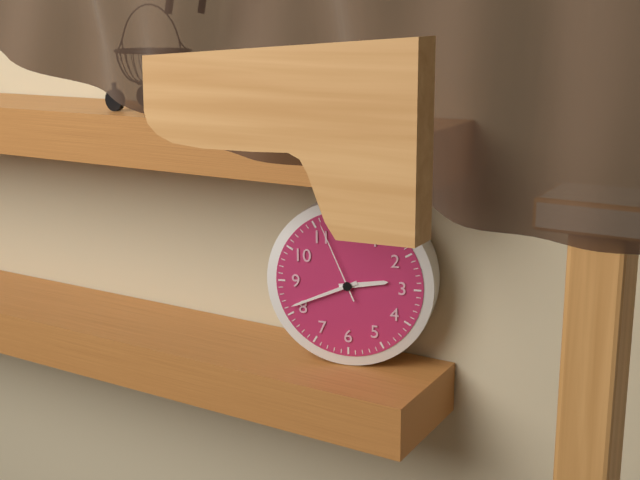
2:41:56
